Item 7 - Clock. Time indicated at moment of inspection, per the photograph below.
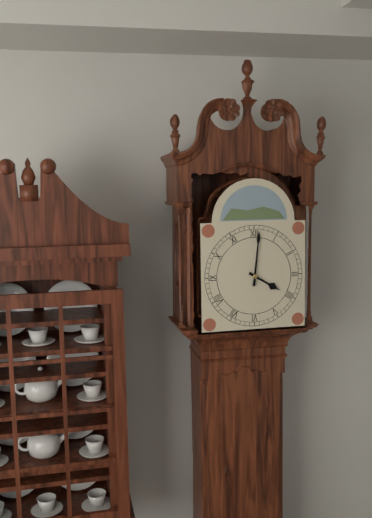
4:01
